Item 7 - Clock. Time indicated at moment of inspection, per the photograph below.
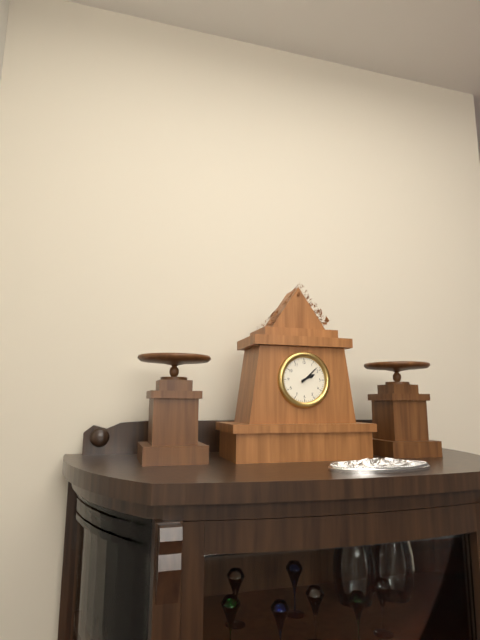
2:08
